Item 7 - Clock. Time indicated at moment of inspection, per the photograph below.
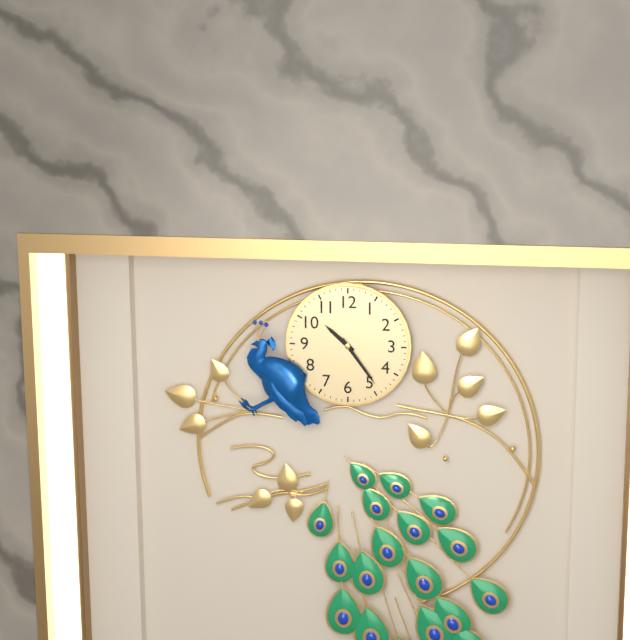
10:24
